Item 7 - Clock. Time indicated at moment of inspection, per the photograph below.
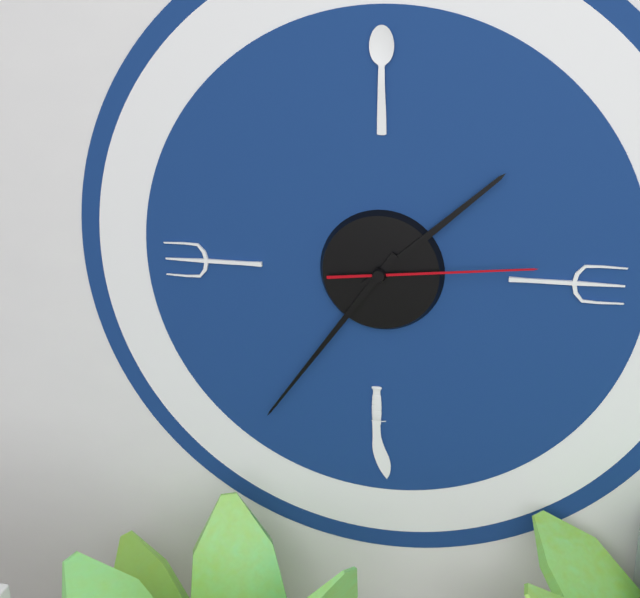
1:36:14
